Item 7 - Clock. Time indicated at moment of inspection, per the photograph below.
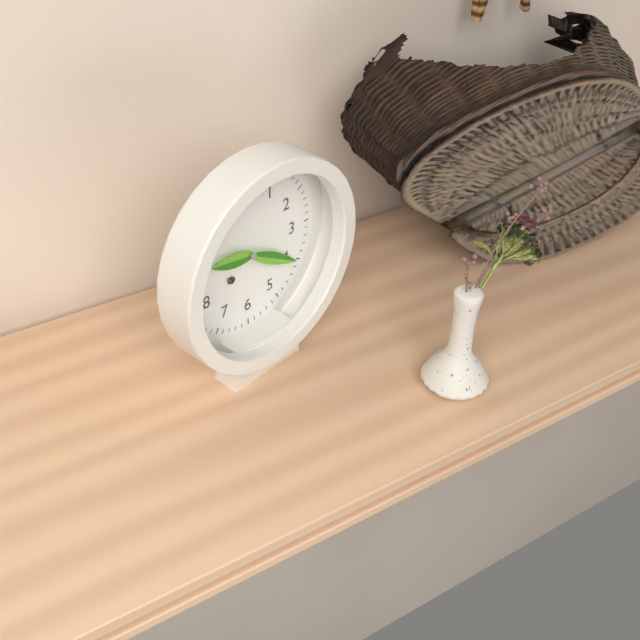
9:20
